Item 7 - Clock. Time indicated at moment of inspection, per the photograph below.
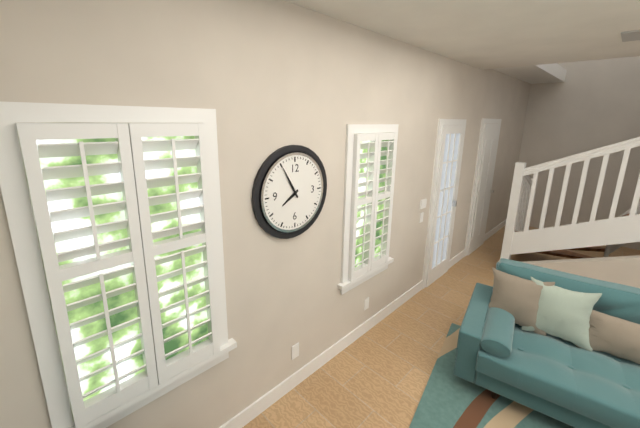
7:55
